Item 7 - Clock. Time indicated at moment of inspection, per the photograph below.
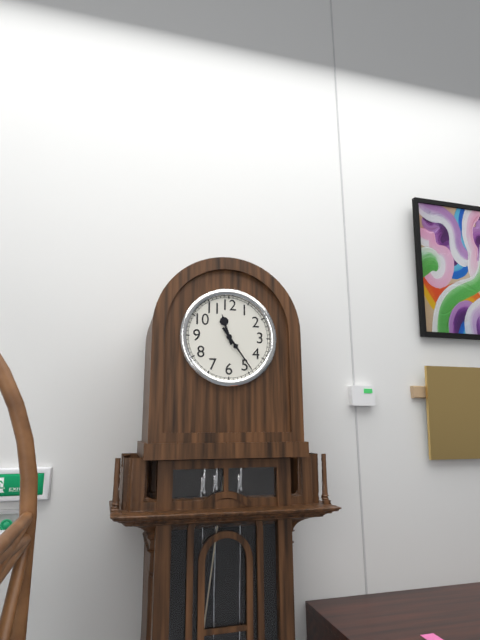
11:24
